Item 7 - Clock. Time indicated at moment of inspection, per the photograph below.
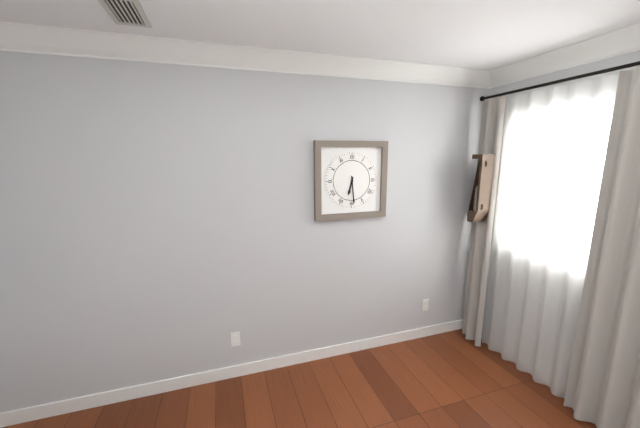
6:29
